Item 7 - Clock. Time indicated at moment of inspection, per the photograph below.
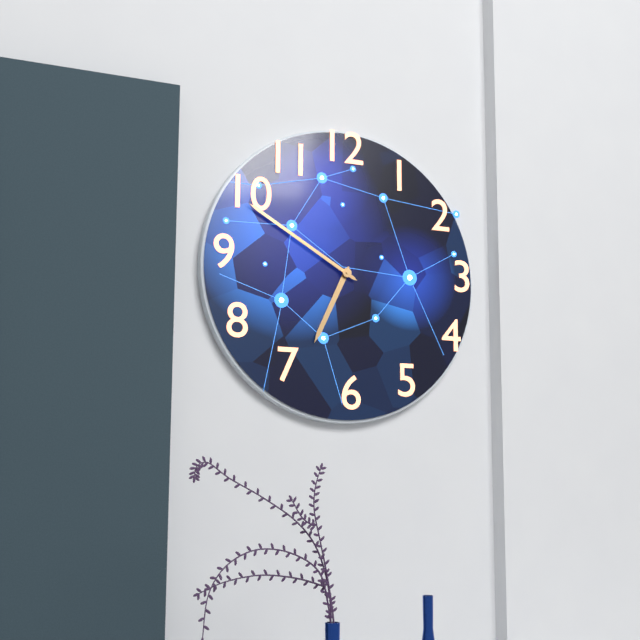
6:50
